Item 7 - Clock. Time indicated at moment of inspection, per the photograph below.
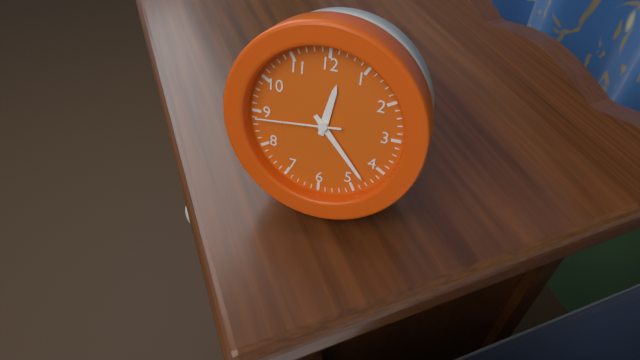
12:23:44
